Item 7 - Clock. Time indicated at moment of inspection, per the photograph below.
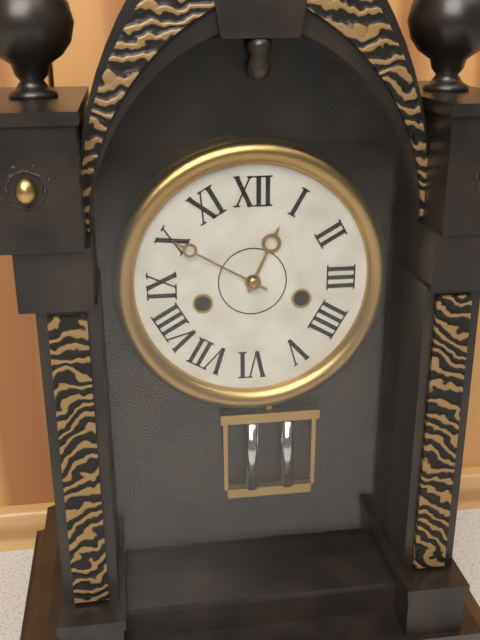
12:50
